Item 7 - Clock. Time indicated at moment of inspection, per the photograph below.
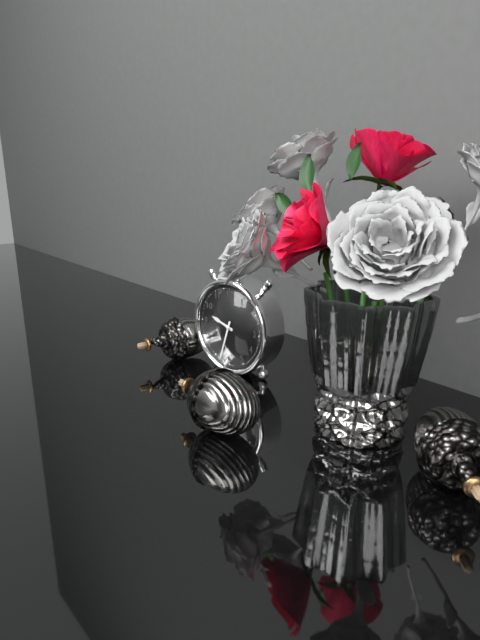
9:33
